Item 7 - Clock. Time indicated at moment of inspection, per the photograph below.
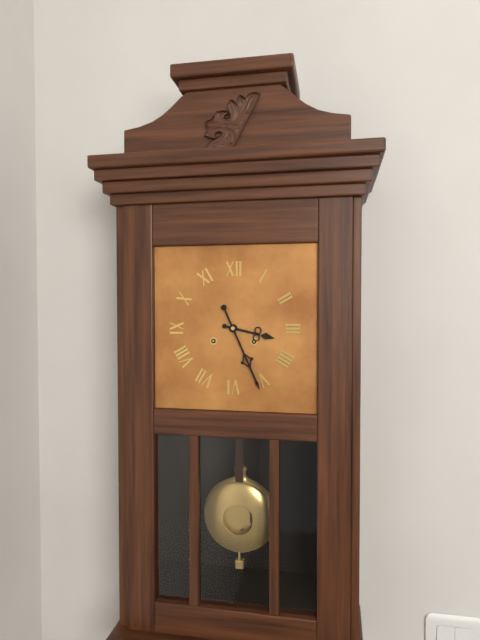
3:26
